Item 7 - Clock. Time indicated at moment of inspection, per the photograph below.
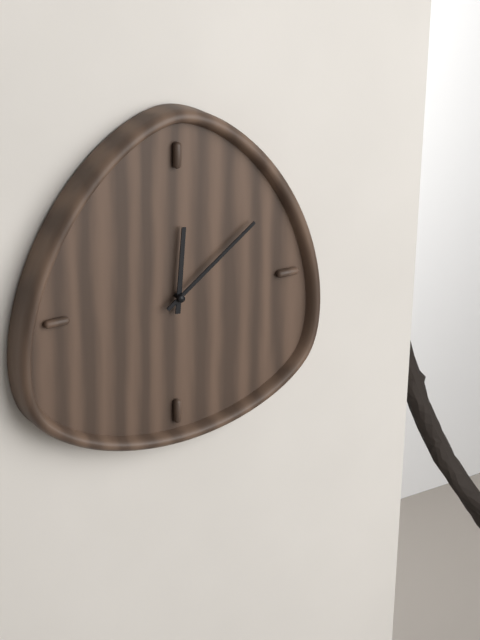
12:09
